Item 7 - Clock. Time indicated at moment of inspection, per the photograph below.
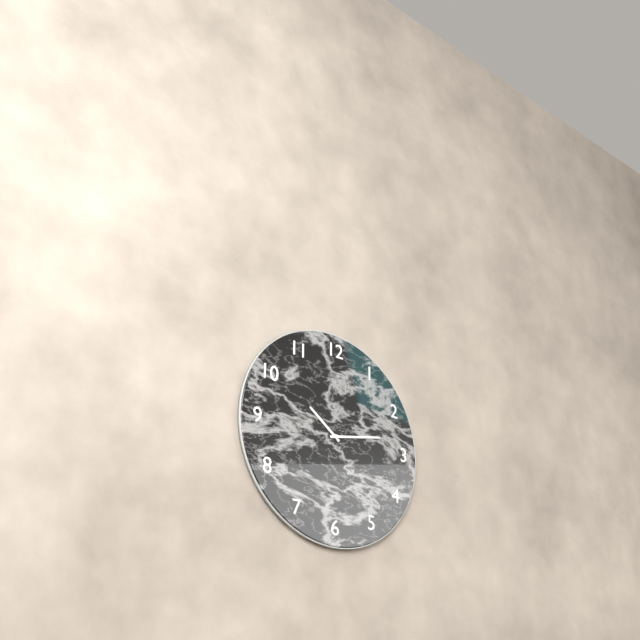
10:13
